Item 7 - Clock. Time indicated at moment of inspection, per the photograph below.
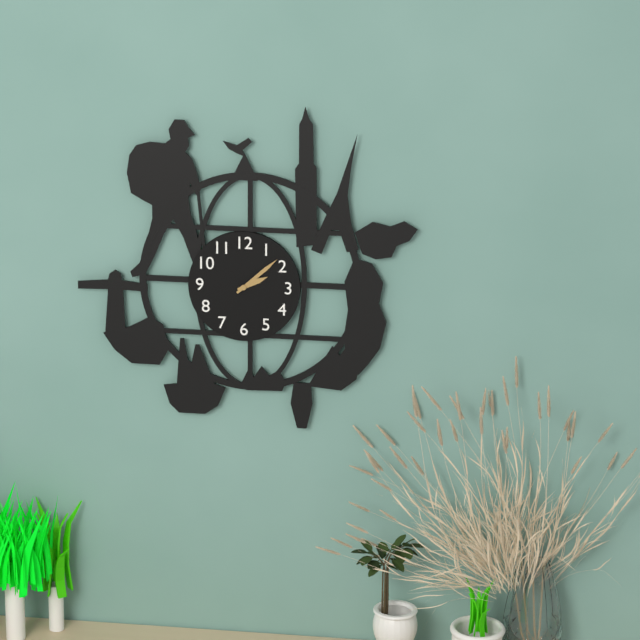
2:08
